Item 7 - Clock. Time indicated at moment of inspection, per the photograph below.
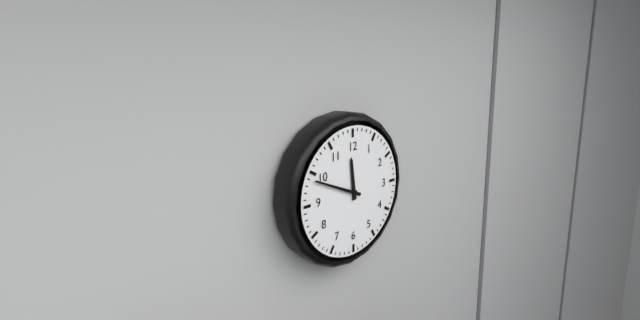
11:49
